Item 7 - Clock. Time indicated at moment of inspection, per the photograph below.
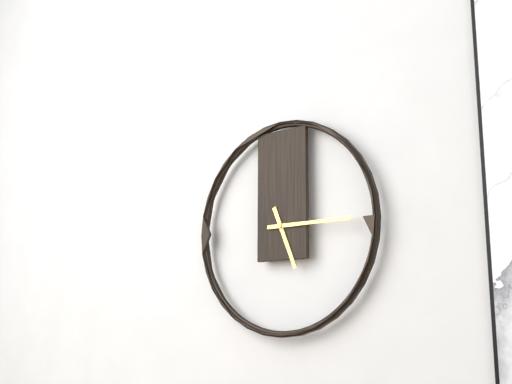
5:15
